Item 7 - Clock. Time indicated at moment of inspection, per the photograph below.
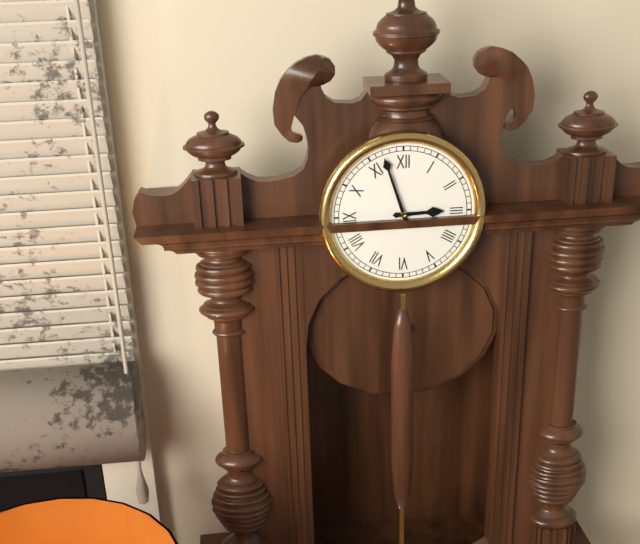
2:57
